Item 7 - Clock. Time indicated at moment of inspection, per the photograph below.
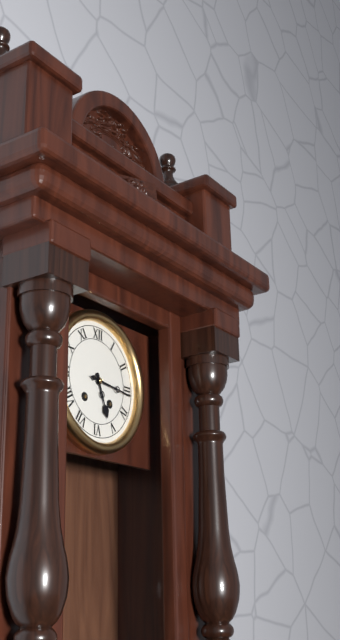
5:16
